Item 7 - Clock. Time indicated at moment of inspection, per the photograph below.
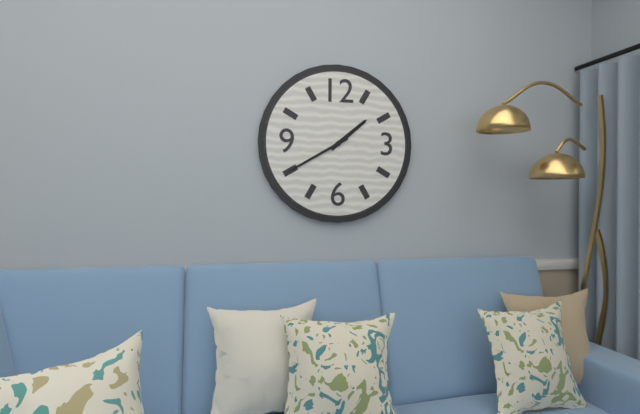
1:40
